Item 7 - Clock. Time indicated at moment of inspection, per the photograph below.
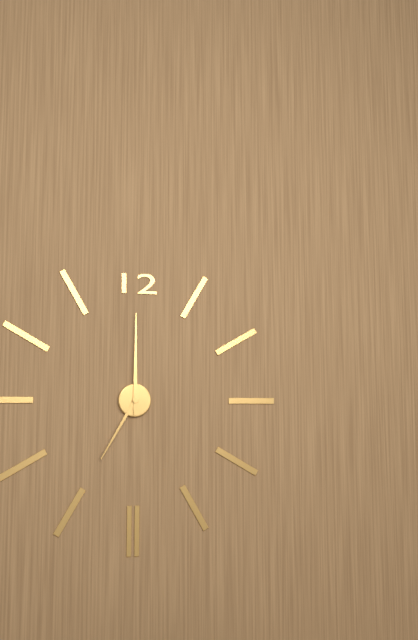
7:00
